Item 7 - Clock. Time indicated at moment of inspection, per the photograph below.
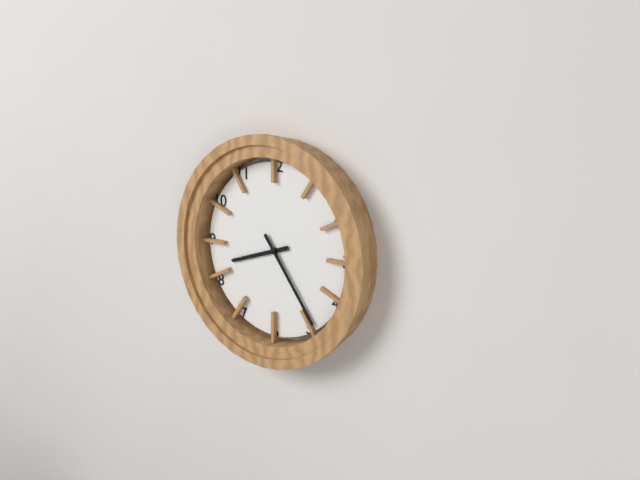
8:24
